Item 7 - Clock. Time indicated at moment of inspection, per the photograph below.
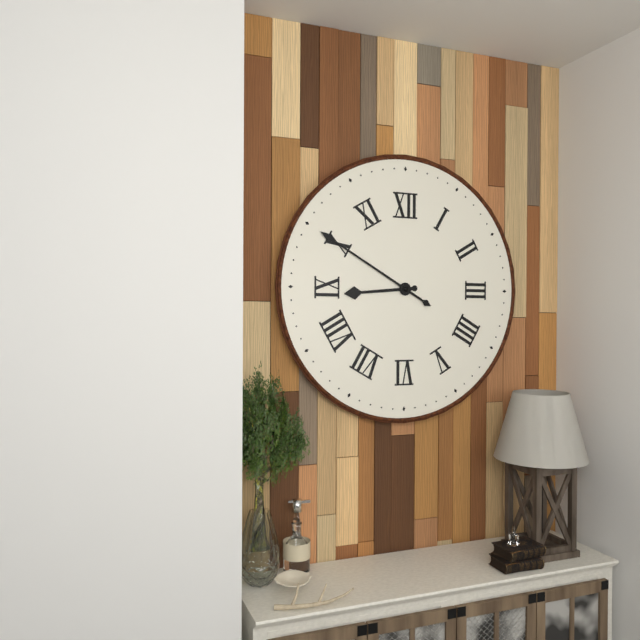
8:50
